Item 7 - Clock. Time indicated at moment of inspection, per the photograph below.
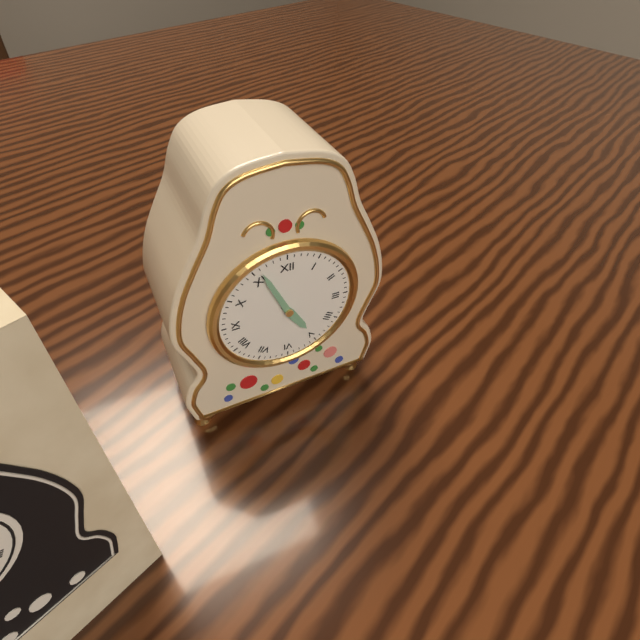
4:56
